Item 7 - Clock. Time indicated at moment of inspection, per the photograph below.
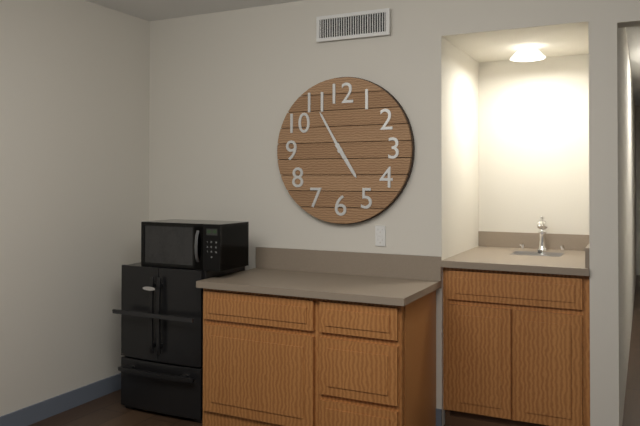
4:55
